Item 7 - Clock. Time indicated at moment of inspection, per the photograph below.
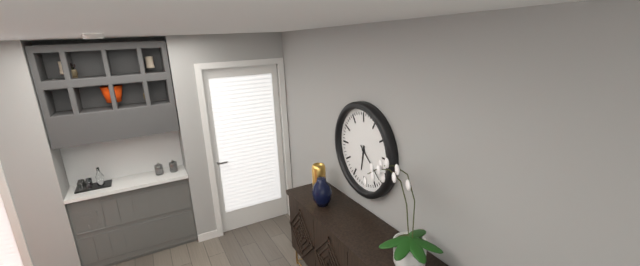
6:22
